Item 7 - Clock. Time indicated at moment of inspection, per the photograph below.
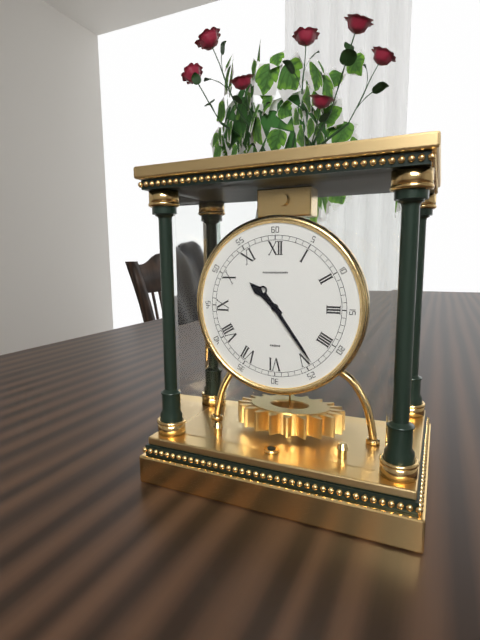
10:24
